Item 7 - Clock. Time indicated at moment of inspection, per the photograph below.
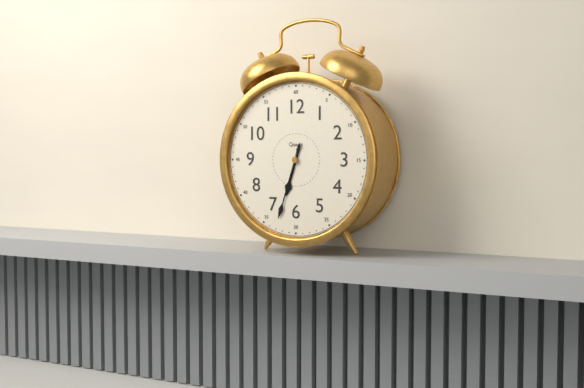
6:33
